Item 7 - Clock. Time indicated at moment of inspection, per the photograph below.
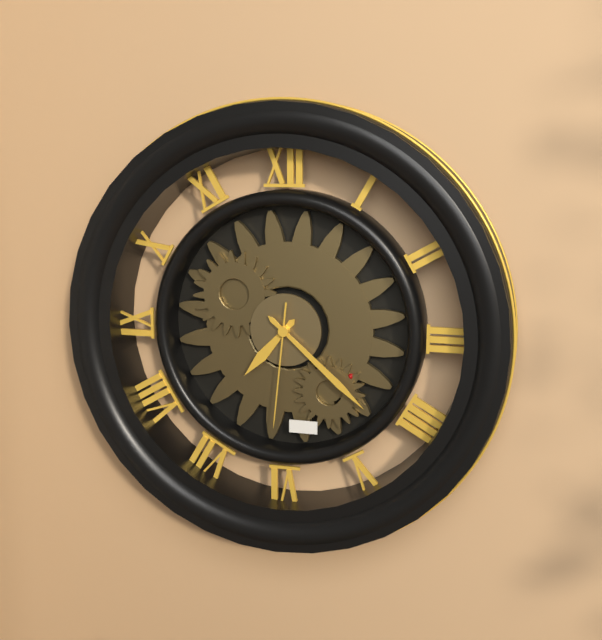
7:22:31
